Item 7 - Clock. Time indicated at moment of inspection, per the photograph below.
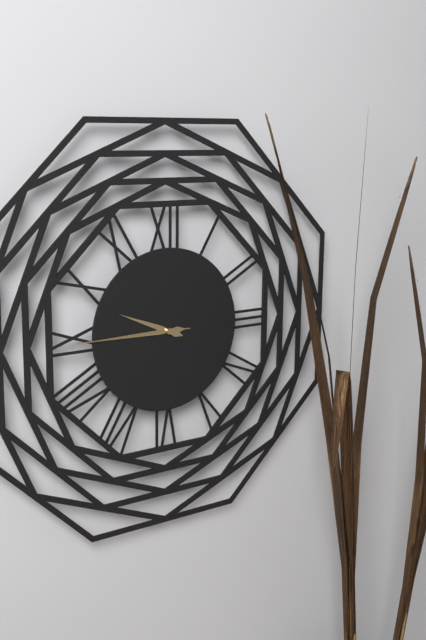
9:45:45
